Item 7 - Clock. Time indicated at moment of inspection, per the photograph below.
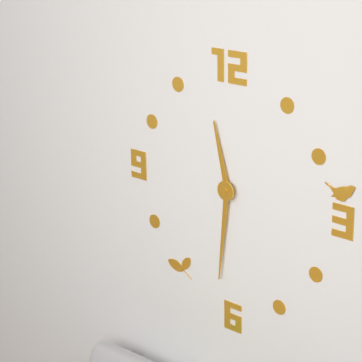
11:31
